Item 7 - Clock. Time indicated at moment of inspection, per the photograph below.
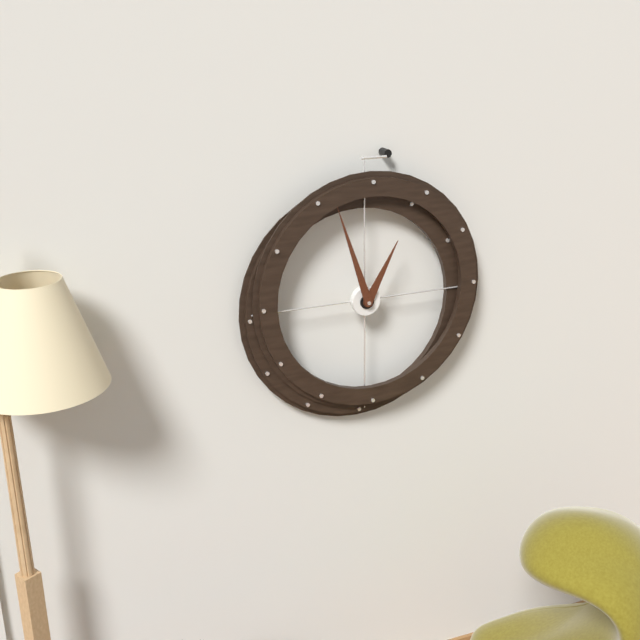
12:57
